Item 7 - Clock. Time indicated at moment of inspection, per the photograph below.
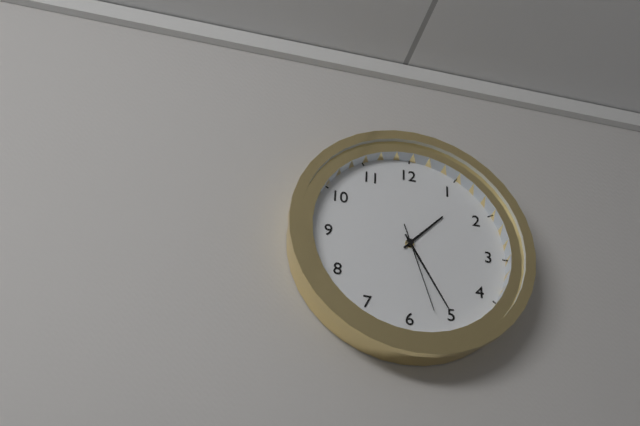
1:25:27
